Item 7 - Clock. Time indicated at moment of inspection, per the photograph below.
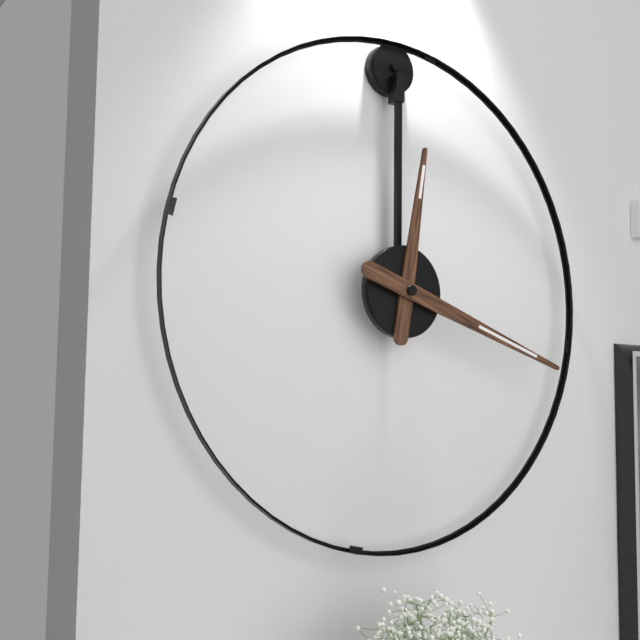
12:18
